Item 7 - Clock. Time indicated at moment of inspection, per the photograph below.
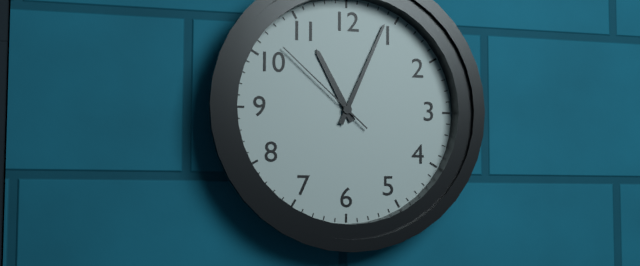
11:04:52
